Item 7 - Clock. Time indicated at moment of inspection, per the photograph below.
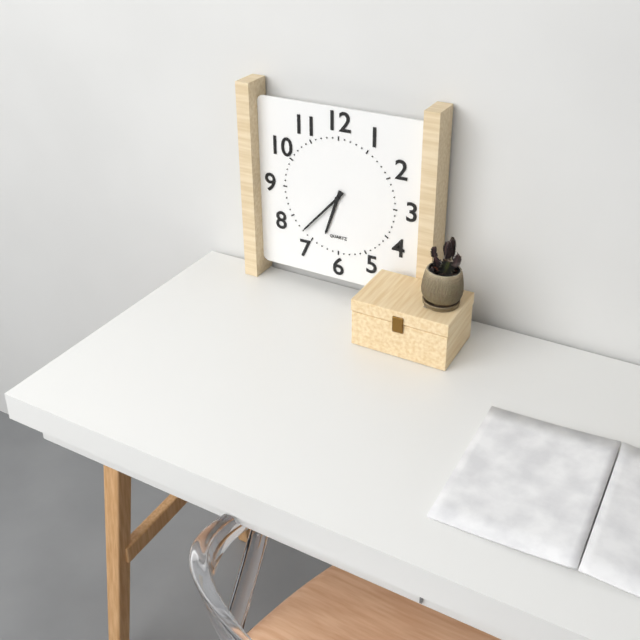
6:37
